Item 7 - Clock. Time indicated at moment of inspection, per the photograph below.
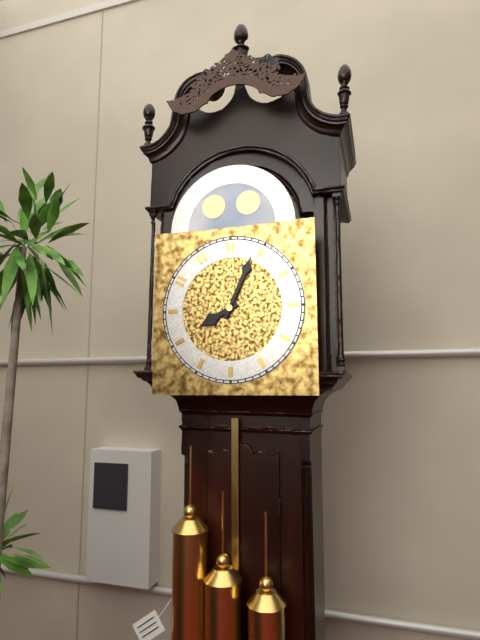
8:04
